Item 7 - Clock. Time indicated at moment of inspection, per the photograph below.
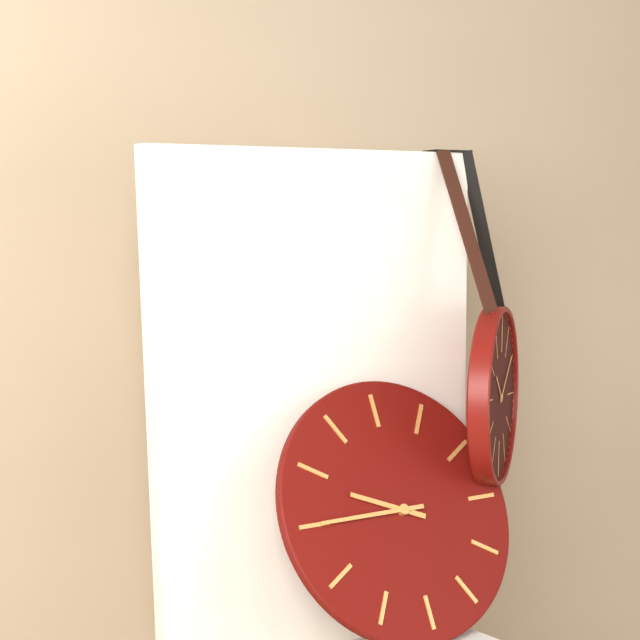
9:45
